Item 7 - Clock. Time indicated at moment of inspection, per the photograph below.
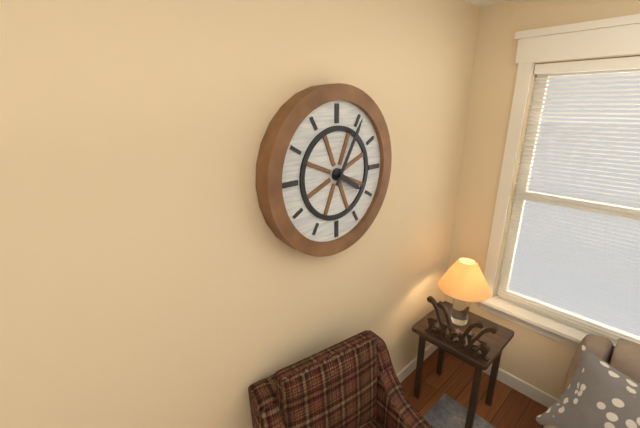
4:05
